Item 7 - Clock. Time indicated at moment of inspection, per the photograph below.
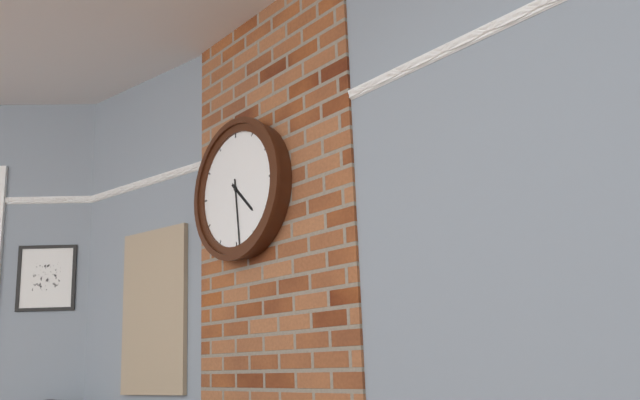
4:29
